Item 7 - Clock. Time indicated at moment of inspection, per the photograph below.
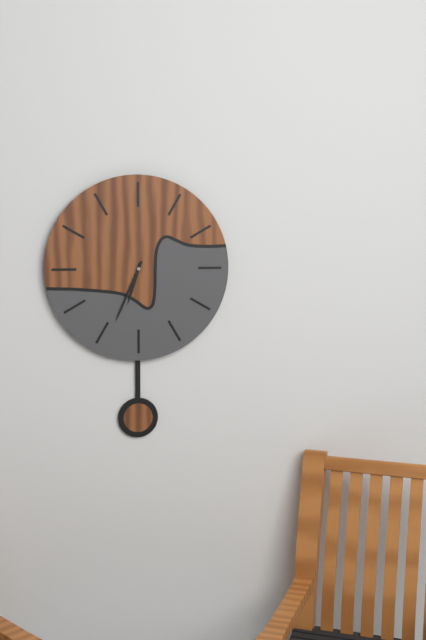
6:34
